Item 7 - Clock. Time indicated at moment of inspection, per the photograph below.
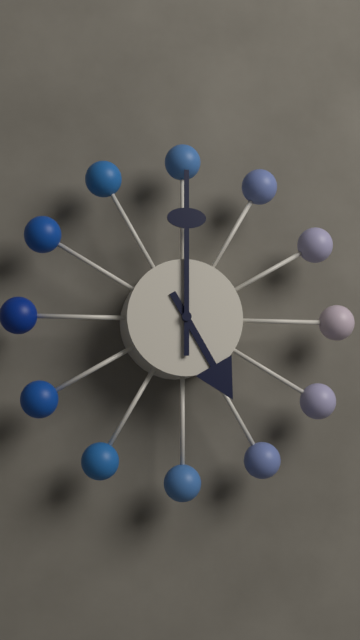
5:00
